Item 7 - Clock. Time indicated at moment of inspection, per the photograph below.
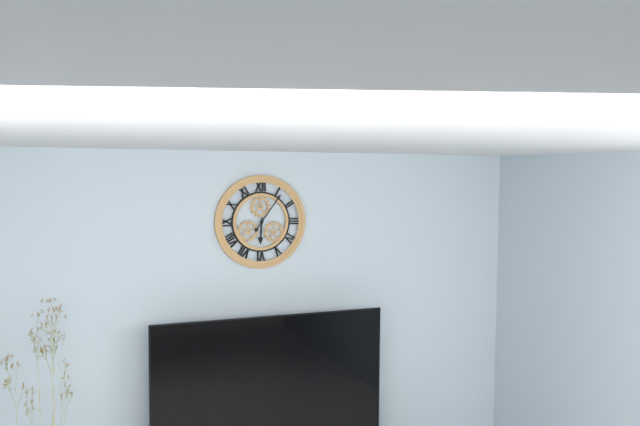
6:06
